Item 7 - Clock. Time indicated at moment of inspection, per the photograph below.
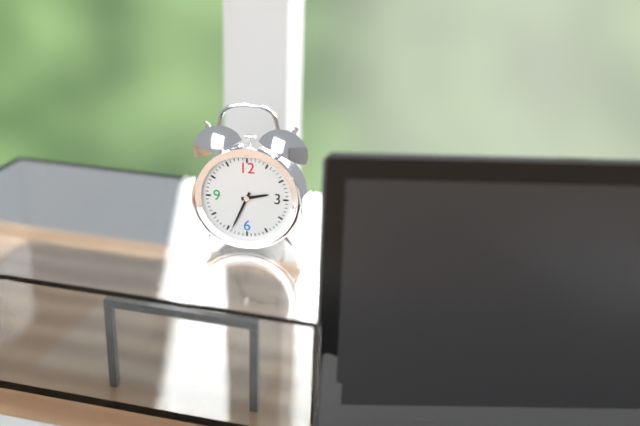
2:34
